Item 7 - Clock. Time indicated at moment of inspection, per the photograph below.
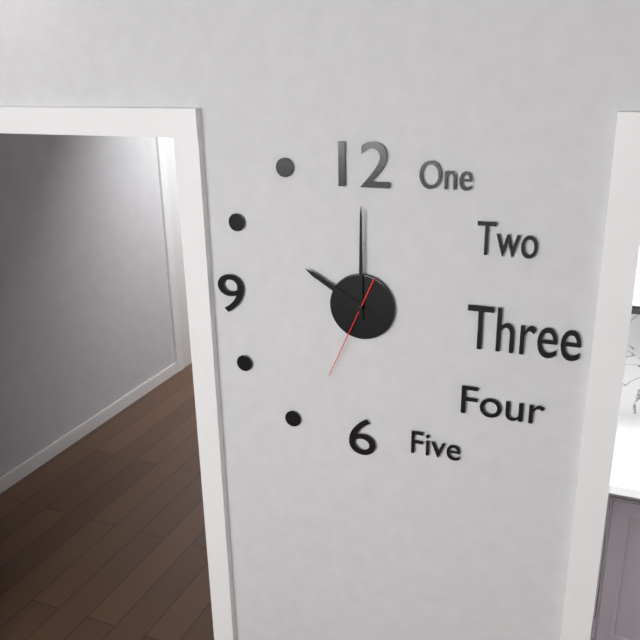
10:00:34
